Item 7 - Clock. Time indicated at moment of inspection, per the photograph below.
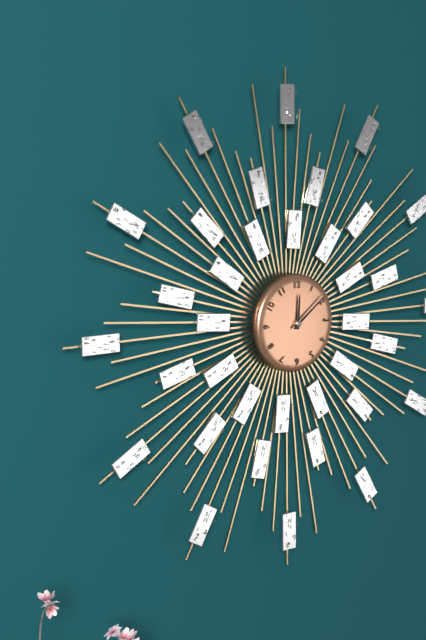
12:09
